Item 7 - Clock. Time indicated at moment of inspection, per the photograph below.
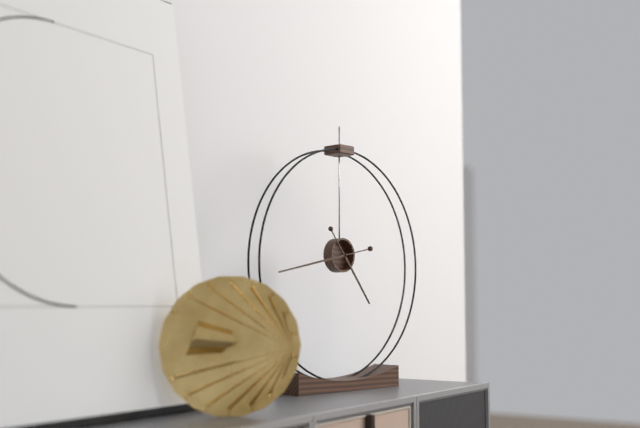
4:43
